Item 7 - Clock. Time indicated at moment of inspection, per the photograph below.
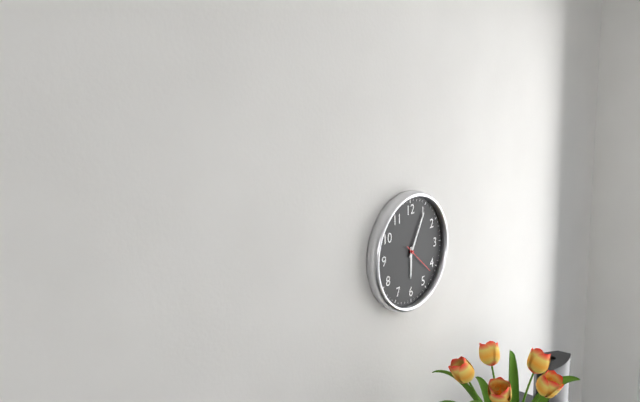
6:05
